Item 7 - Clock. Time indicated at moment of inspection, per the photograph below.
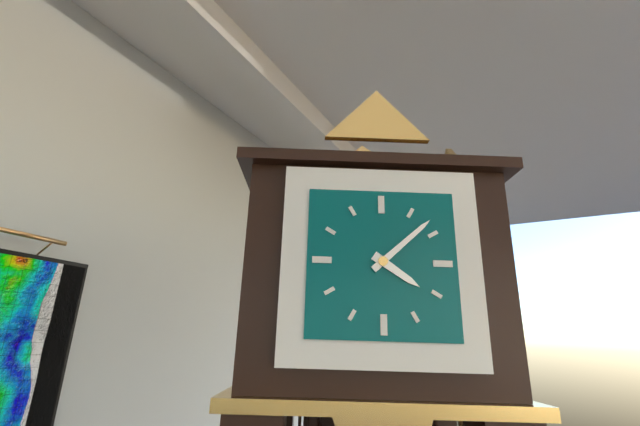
4:08
